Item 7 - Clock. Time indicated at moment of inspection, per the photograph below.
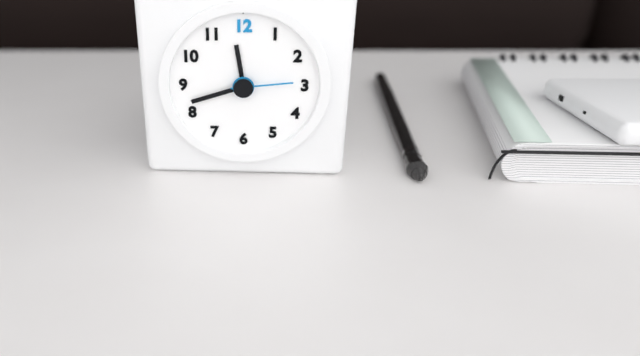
11:42:14
